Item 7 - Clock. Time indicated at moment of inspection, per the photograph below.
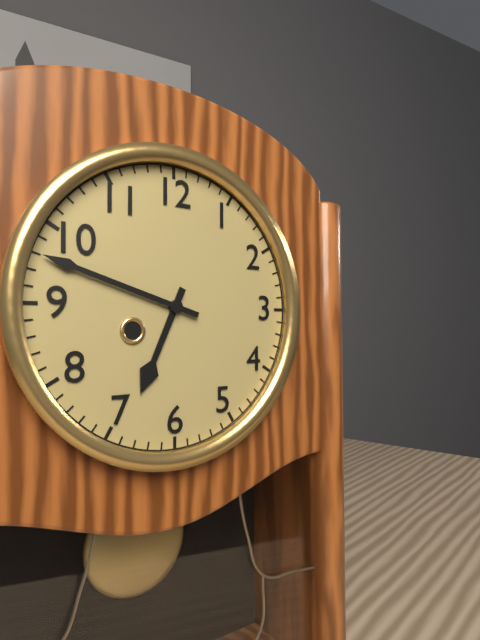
6:48
